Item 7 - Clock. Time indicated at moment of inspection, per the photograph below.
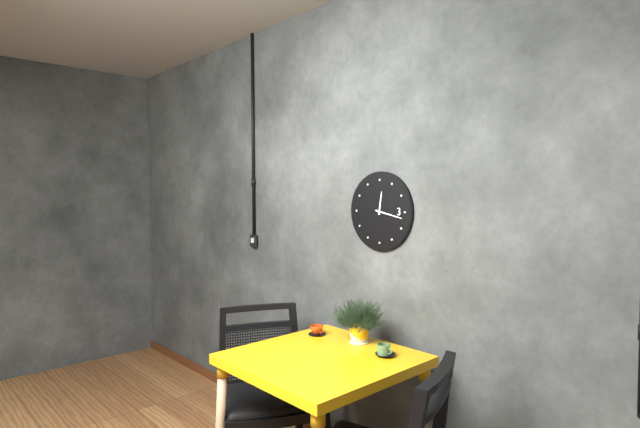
12:17
